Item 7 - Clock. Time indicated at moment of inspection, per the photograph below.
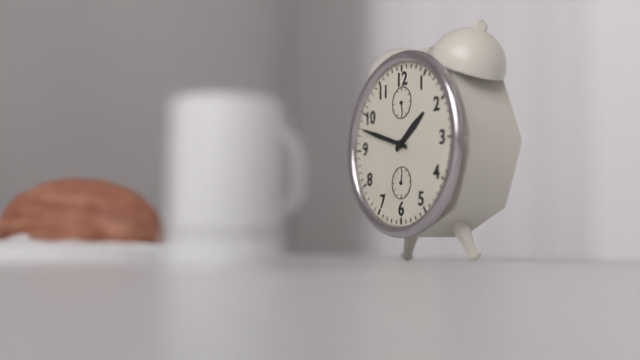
1:48
